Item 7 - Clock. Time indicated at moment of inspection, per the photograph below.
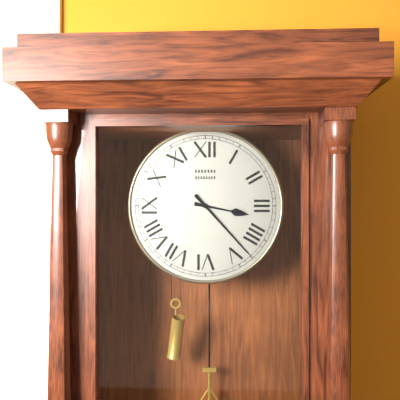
3:23
